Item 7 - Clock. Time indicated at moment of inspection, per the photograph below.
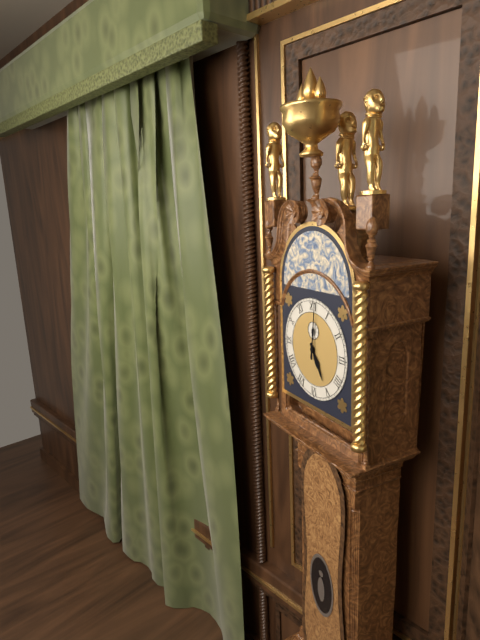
5:01
